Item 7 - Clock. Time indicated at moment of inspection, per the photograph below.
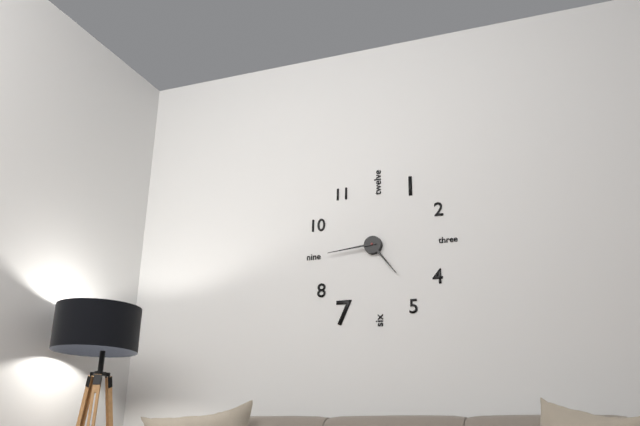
4:44
